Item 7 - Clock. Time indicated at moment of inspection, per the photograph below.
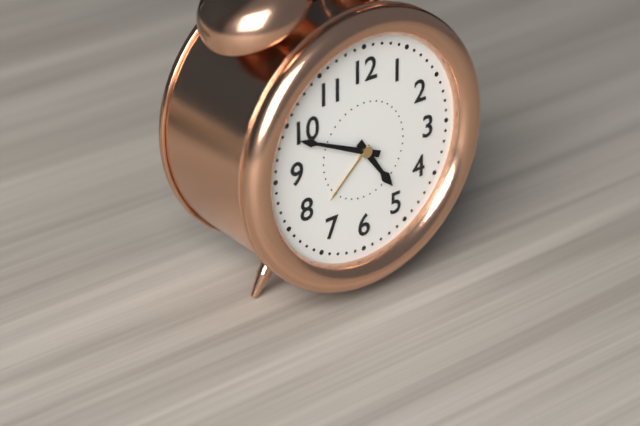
4:49
